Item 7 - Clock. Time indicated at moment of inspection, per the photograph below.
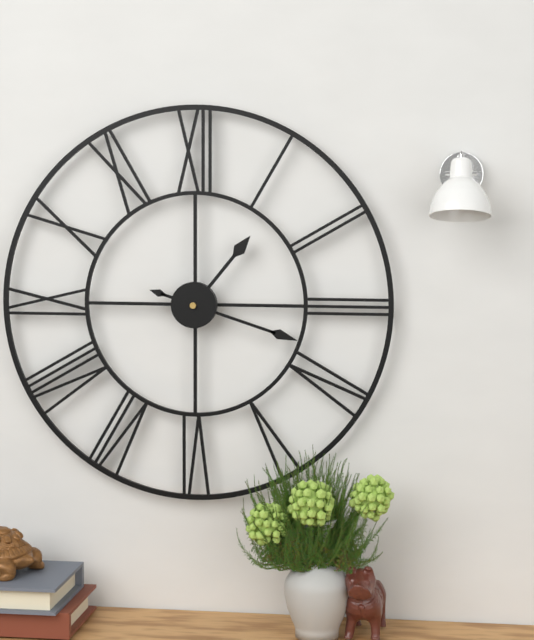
1:18
